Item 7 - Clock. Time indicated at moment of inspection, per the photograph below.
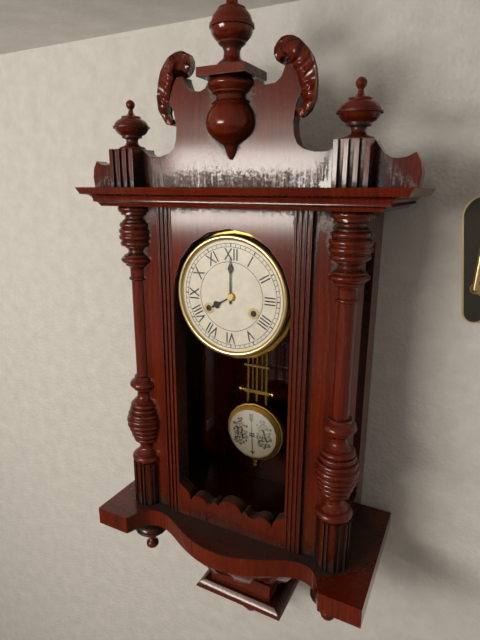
8:00
